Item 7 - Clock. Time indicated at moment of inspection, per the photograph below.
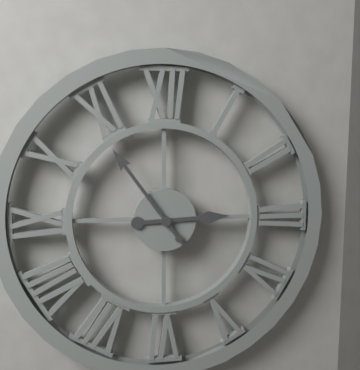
2:54
